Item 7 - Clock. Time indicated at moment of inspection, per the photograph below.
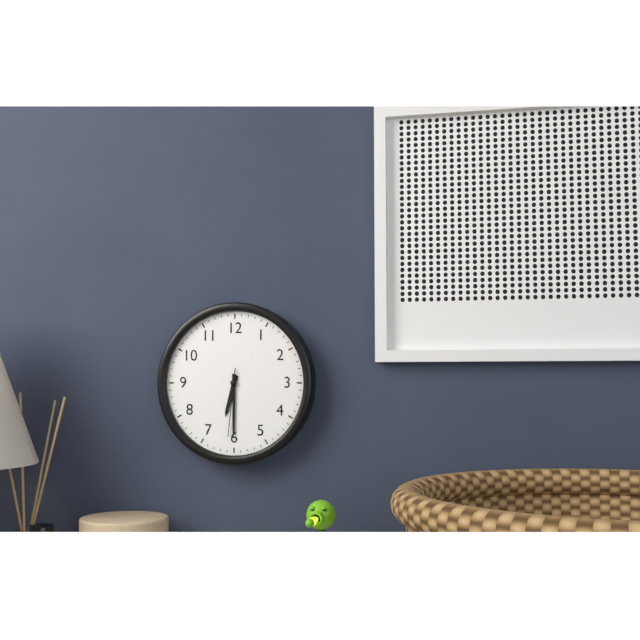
6:30:31
